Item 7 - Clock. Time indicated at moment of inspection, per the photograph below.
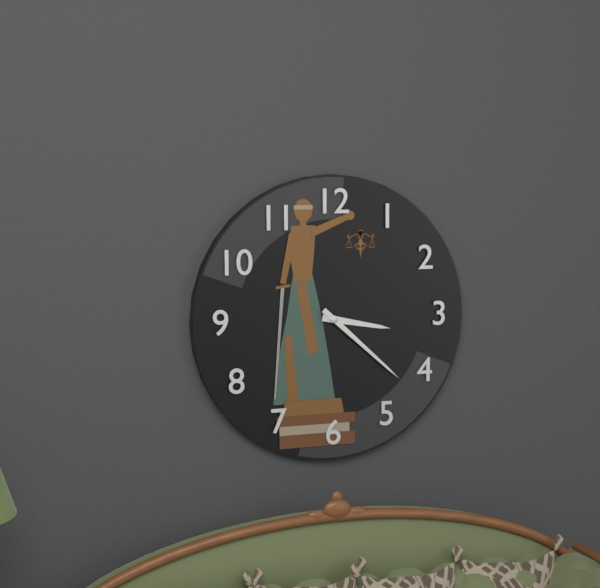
3:22
